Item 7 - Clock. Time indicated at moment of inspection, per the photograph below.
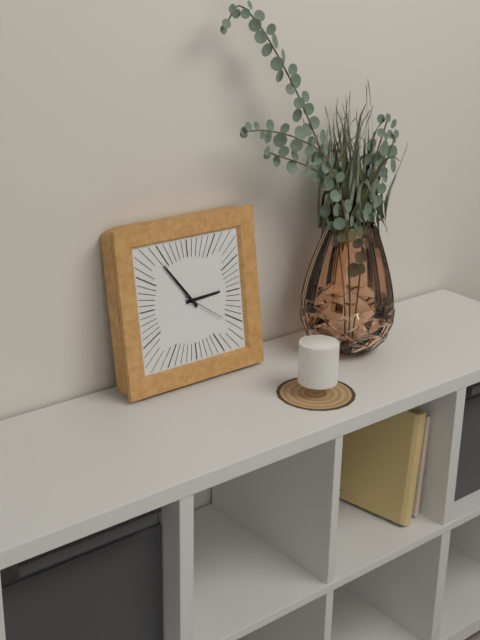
2:54
